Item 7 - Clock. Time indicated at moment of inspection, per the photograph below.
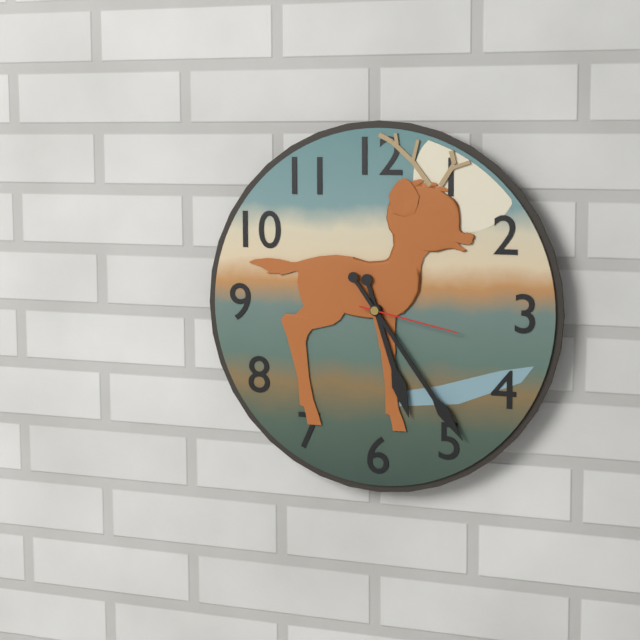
5:24:17
